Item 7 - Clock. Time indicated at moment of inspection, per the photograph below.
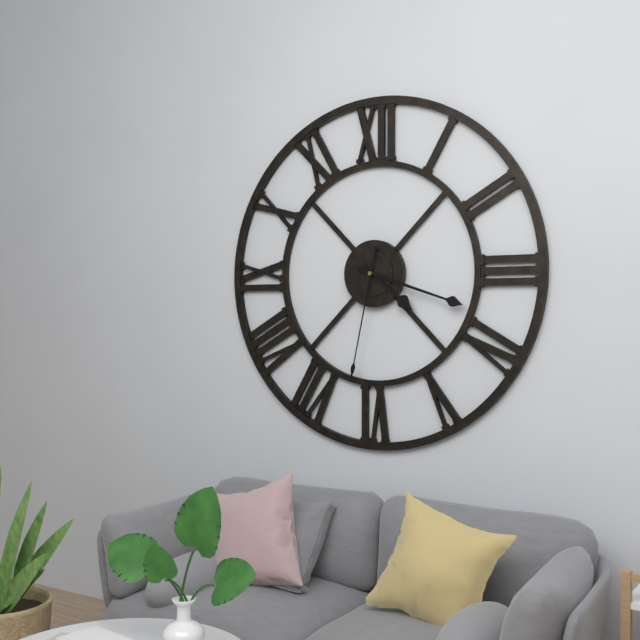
4:18:32
